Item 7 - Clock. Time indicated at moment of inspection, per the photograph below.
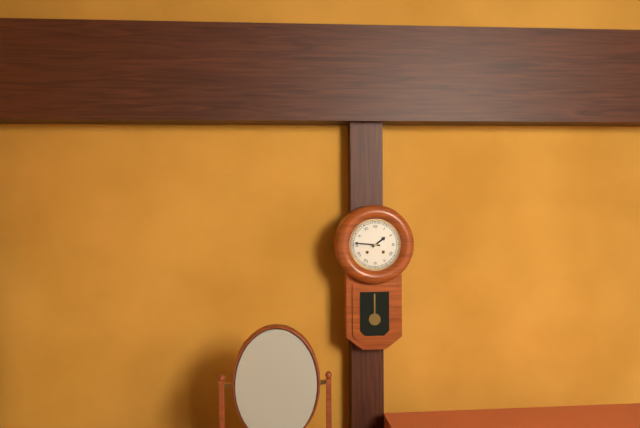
1:46
